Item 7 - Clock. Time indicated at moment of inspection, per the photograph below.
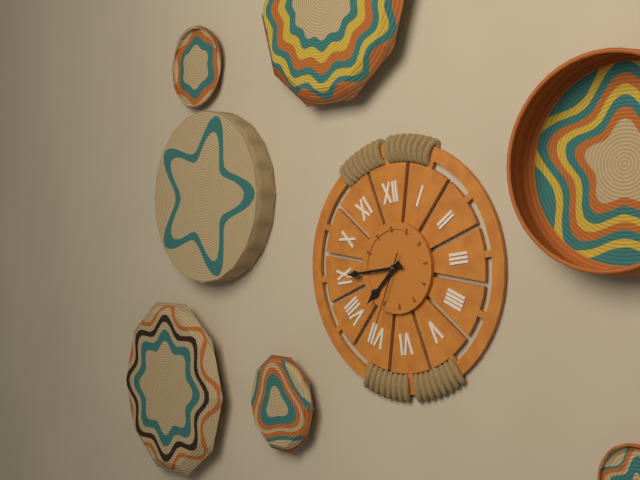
7:45:35
